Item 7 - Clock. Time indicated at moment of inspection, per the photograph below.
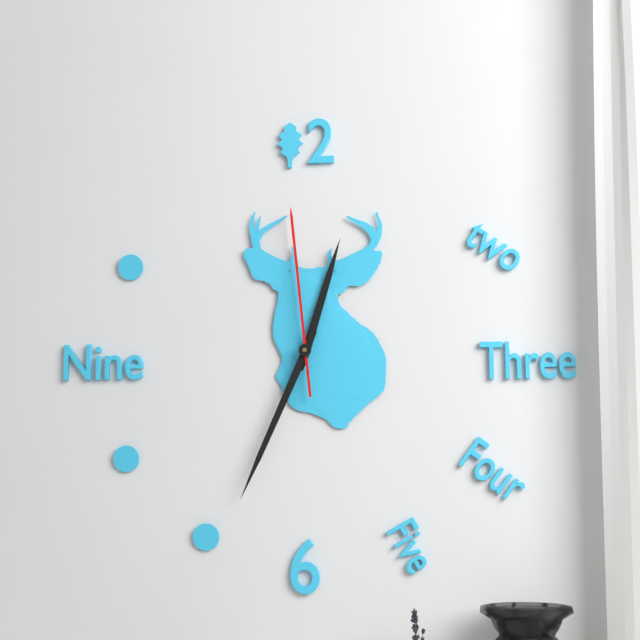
12:34:59
